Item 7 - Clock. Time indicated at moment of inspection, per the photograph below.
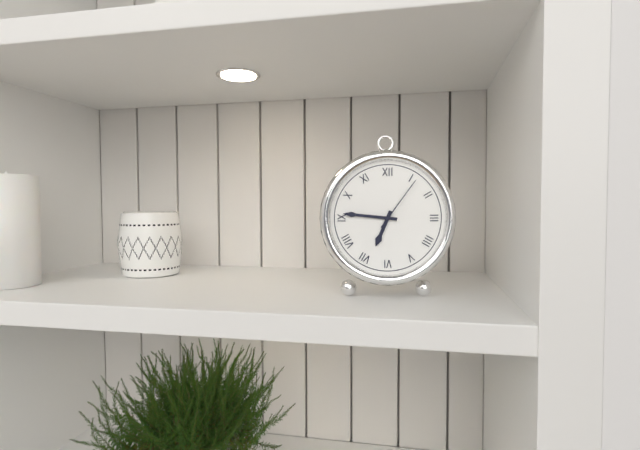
6:46:06
